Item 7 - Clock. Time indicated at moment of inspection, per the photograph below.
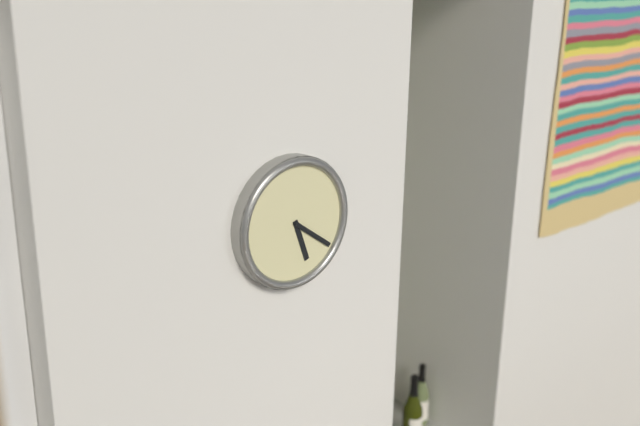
5:21
